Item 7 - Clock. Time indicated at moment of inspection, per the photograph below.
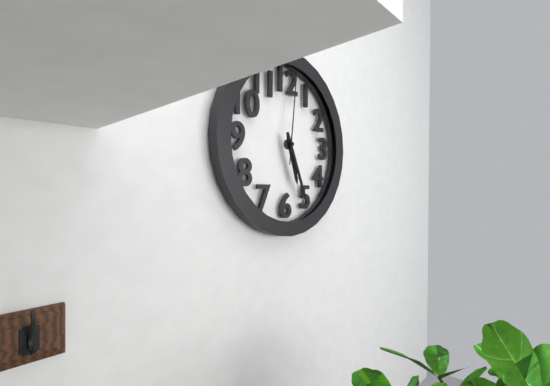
5:26:01
